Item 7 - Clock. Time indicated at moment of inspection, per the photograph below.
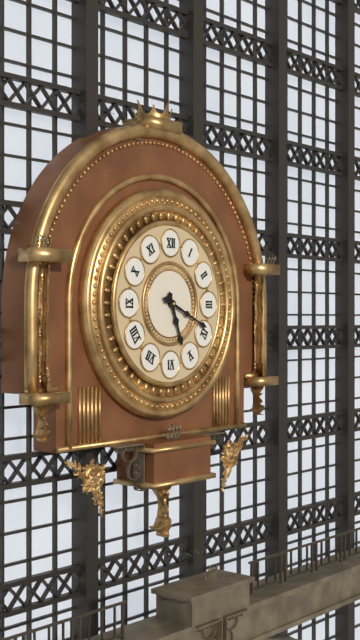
5:19
